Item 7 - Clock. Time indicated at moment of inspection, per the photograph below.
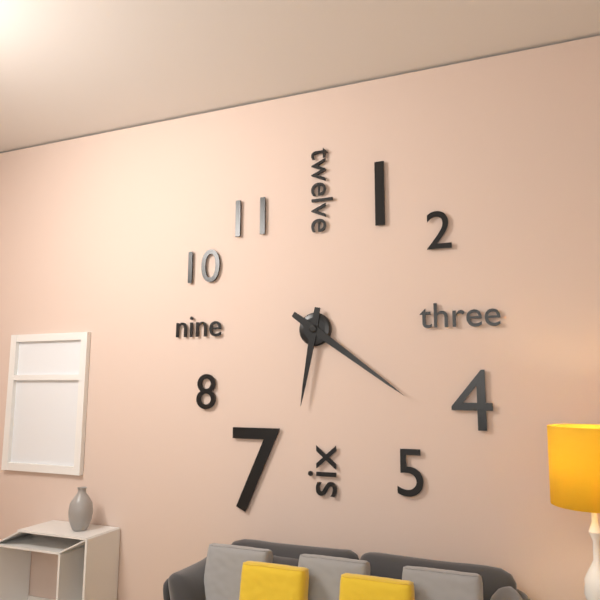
6:21
